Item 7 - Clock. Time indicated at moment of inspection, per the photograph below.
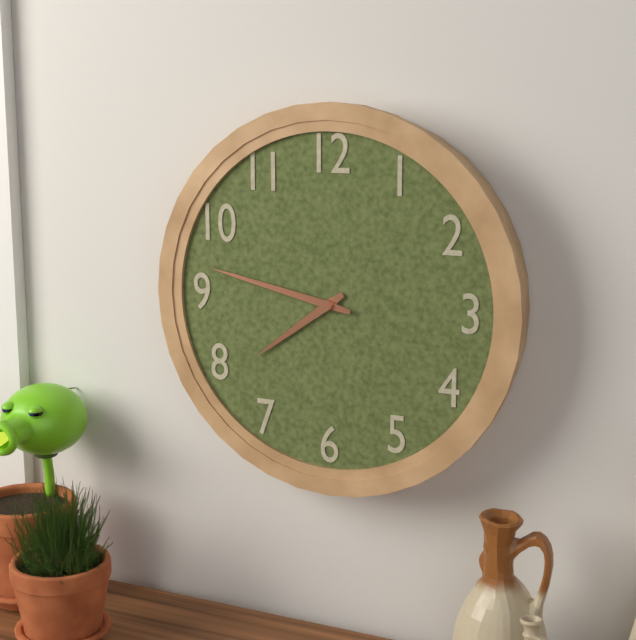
7:47
